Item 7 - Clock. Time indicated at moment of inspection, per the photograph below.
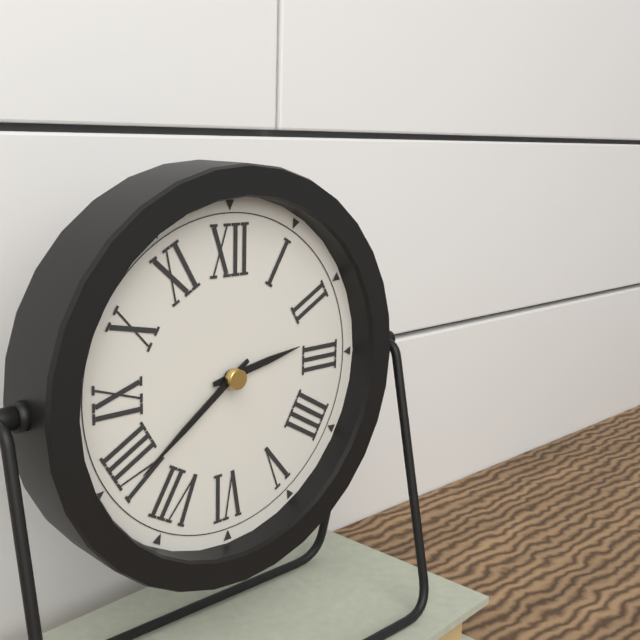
2:39
